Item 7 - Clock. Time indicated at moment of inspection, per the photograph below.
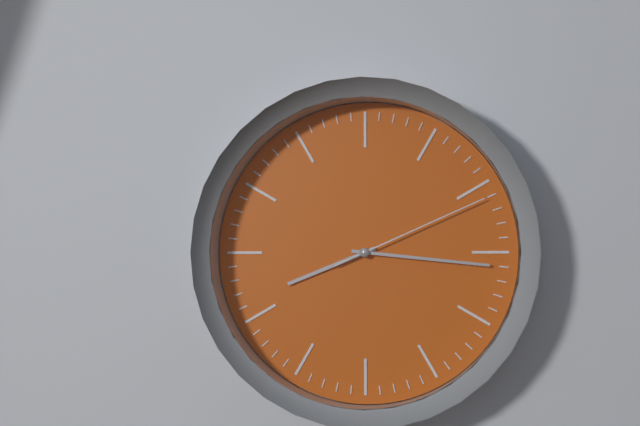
8:16:11
